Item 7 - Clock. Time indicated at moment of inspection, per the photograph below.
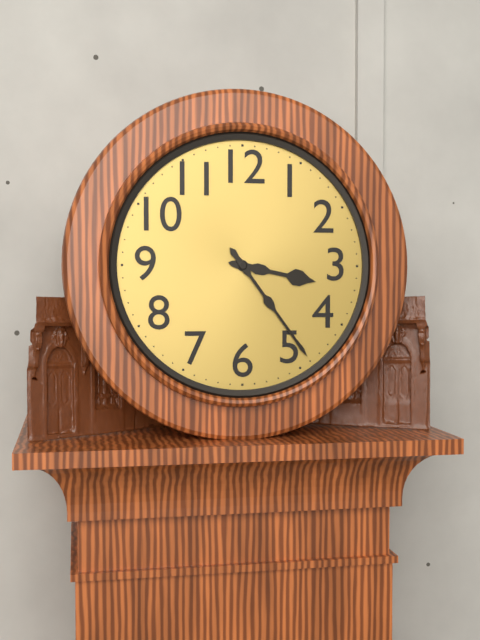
3:24
